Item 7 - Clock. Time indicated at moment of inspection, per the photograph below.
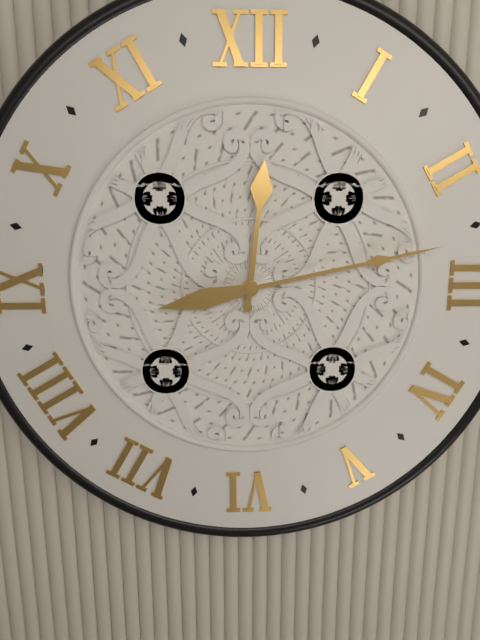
12:13
